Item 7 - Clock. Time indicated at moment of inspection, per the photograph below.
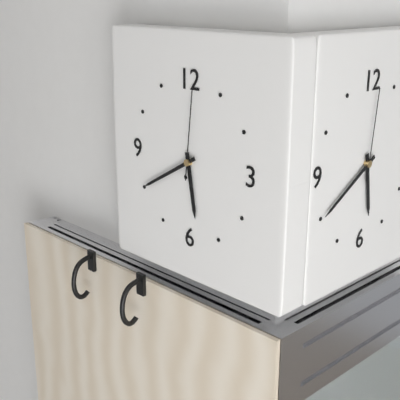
5:40:01
